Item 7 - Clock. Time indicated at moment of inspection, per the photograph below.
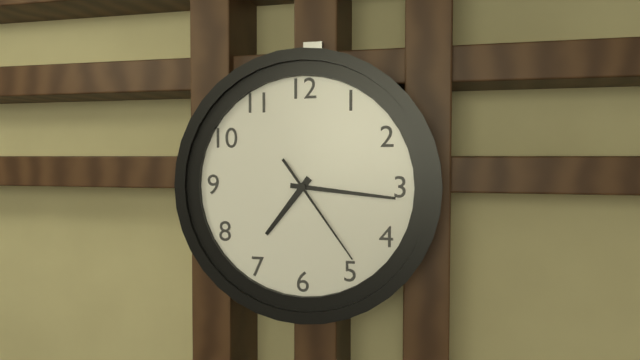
7:16:24
